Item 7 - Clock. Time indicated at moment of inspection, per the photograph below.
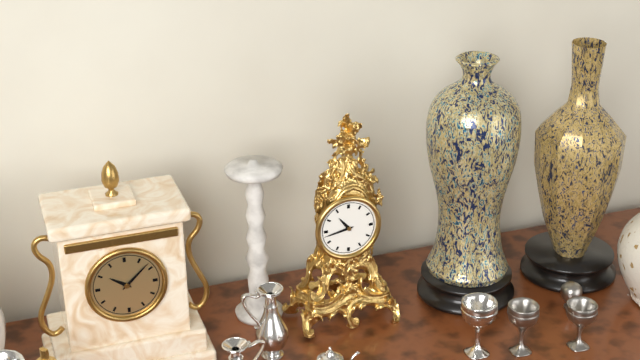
10:43
